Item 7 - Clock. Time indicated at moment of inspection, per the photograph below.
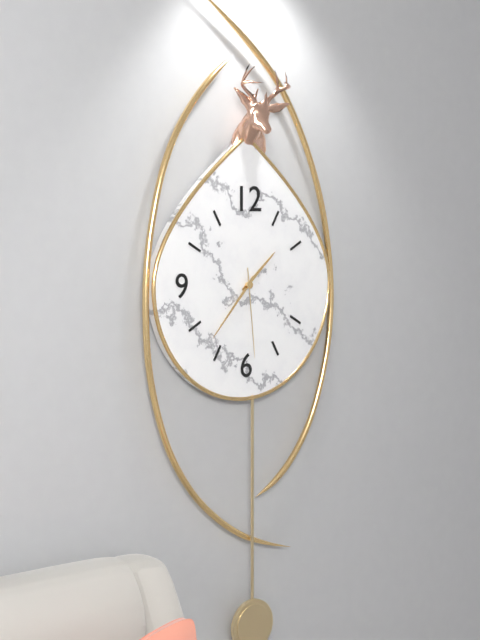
1:37:29
